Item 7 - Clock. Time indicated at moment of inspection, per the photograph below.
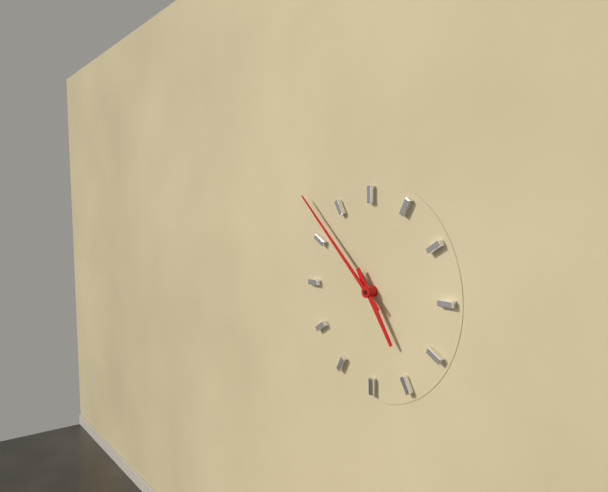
4:52
